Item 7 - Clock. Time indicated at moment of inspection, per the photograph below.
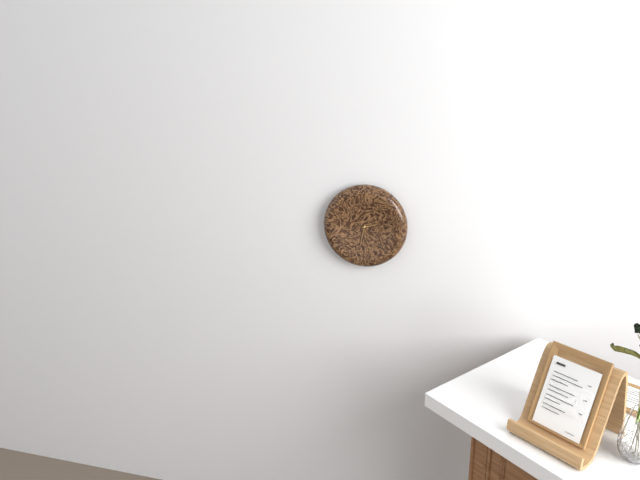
2:32
